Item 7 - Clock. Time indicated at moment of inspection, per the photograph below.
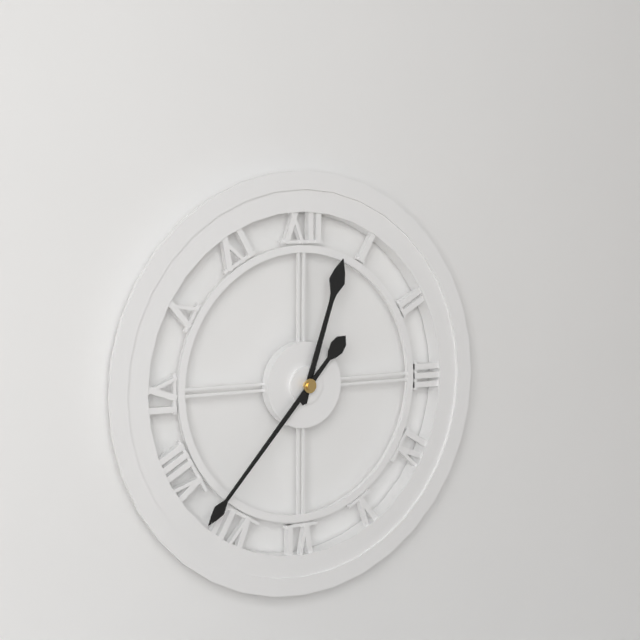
12:37
